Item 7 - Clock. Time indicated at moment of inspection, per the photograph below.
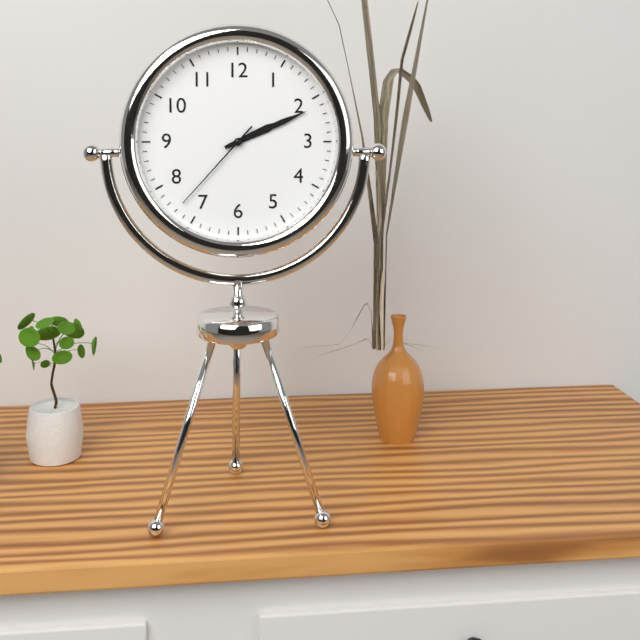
2:11:37
